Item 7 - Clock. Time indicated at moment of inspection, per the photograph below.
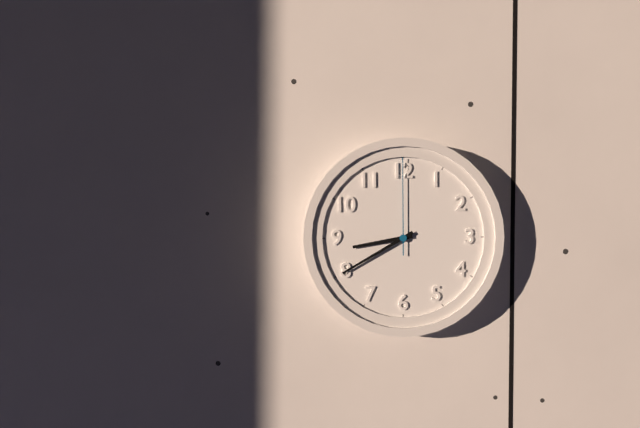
8:40:00
